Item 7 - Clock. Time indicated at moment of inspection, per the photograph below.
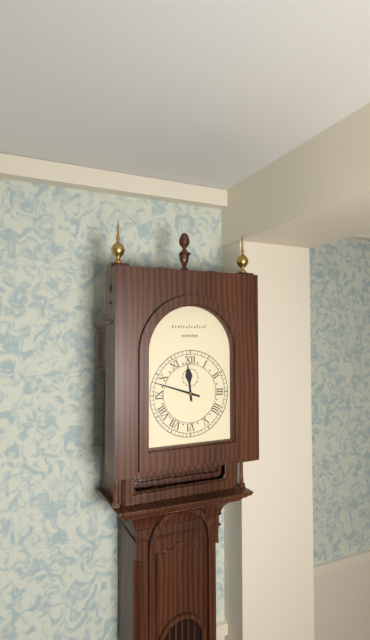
11:48
